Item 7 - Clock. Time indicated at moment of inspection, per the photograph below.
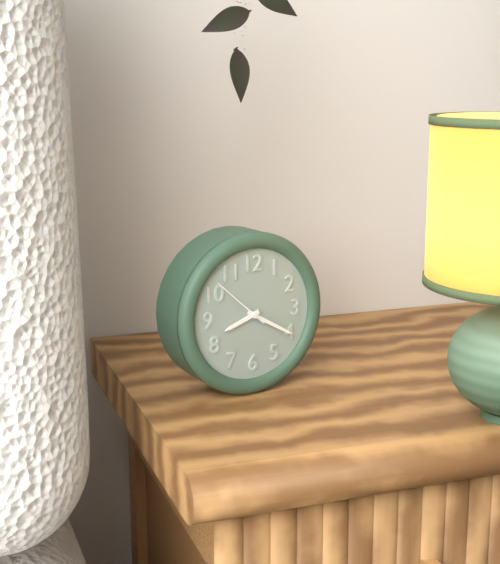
8:20:52
